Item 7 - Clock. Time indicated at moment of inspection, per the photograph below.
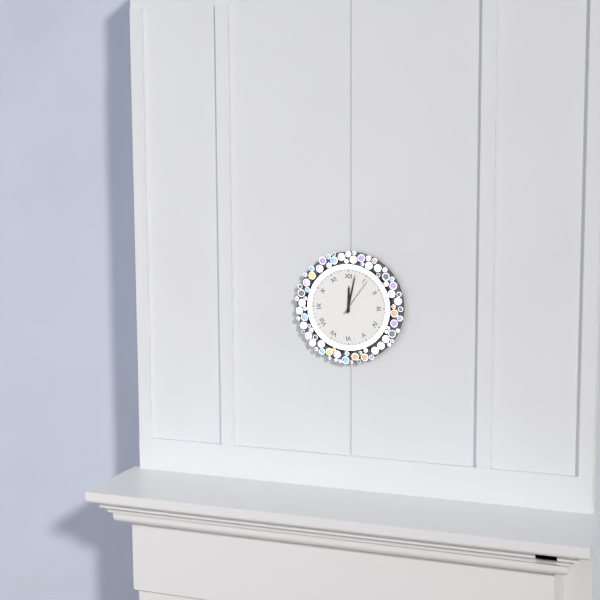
12:02
